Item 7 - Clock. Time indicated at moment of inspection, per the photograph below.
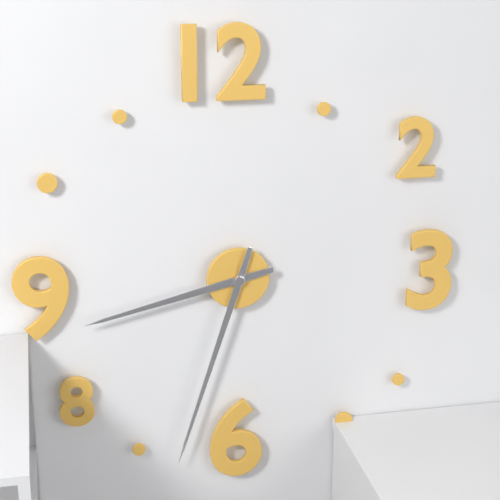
8:33
